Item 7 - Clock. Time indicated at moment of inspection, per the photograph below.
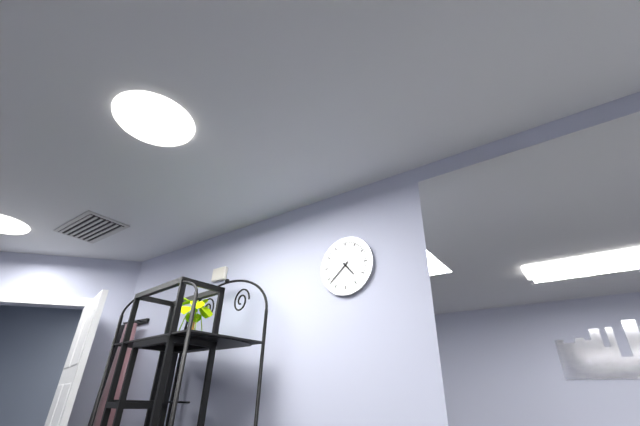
4:38
